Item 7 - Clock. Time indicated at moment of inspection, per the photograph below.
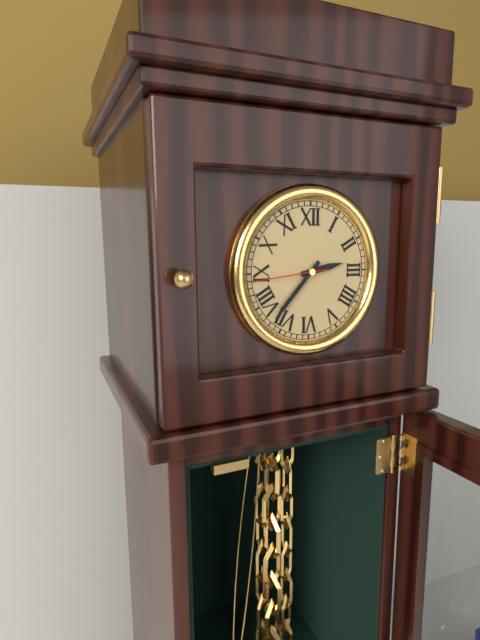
2:37:44
